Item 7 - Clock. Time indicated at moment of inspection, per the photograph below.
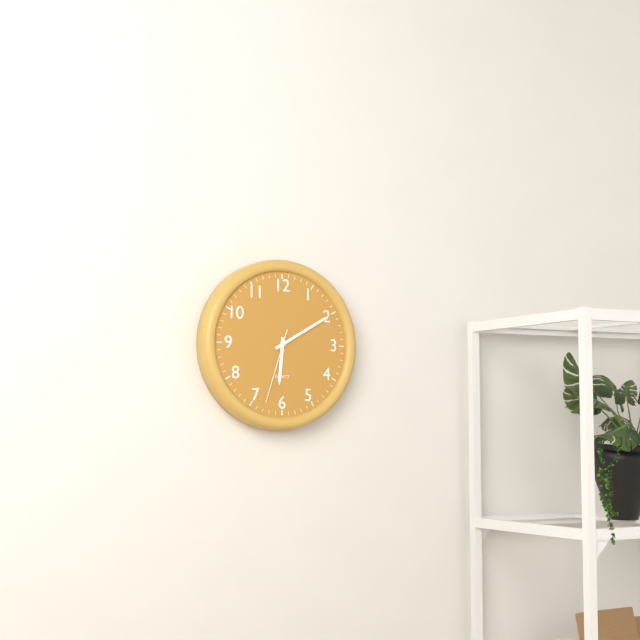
6:10:33
